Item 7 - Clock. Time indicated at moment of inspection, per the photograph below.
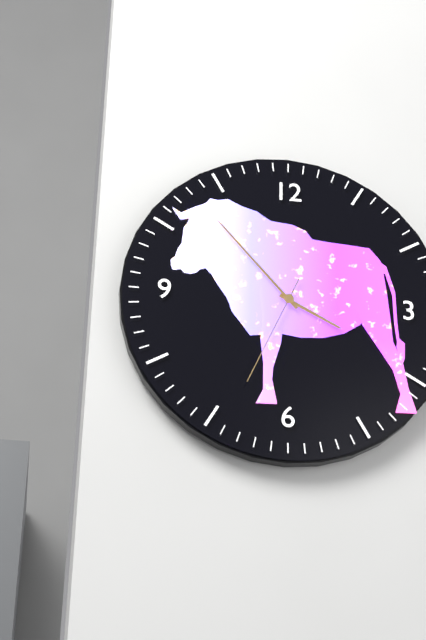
3:53:34
